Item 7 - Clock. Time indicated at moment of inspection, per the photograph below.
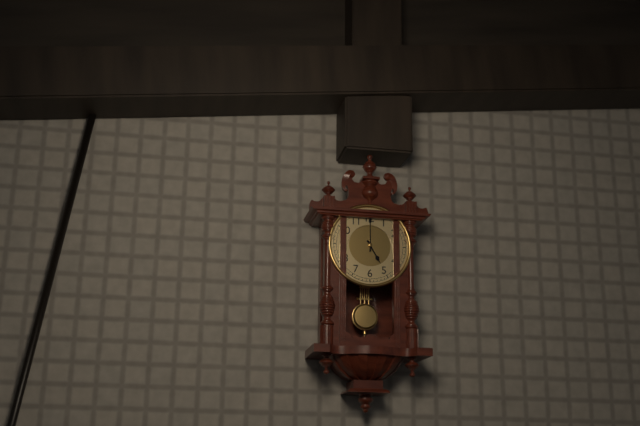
5:00
